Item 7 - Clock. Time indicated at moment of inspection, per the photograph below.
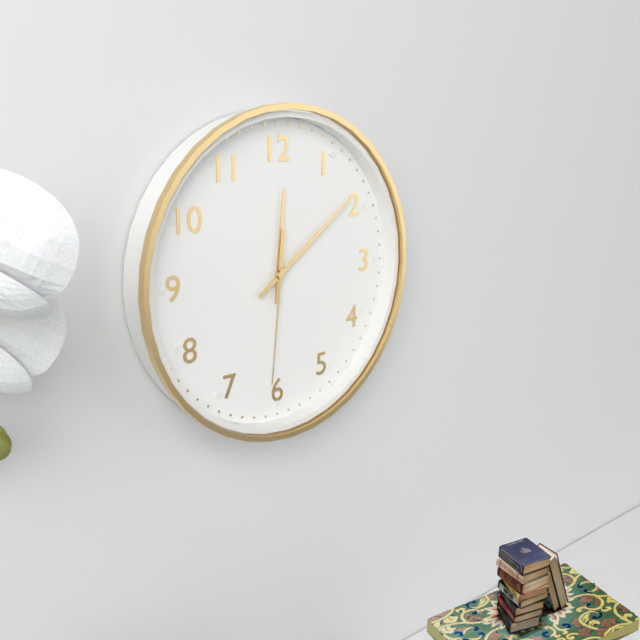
12:09:31
